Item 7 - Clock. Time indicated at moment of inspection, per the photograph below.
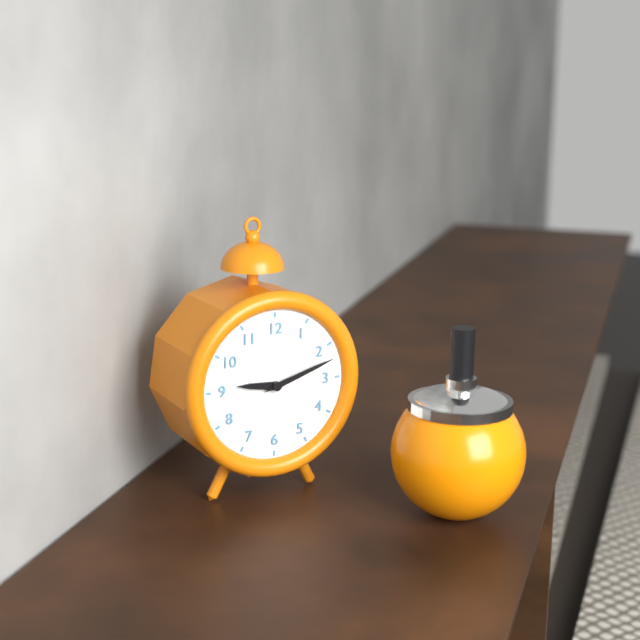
9:12
